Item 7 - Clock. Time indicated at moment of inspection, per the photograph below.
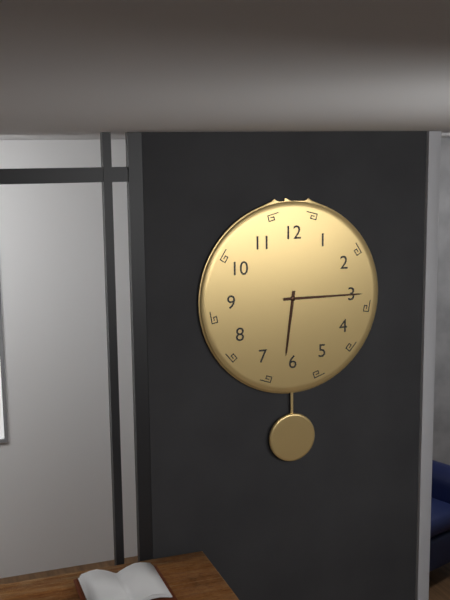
6:15
